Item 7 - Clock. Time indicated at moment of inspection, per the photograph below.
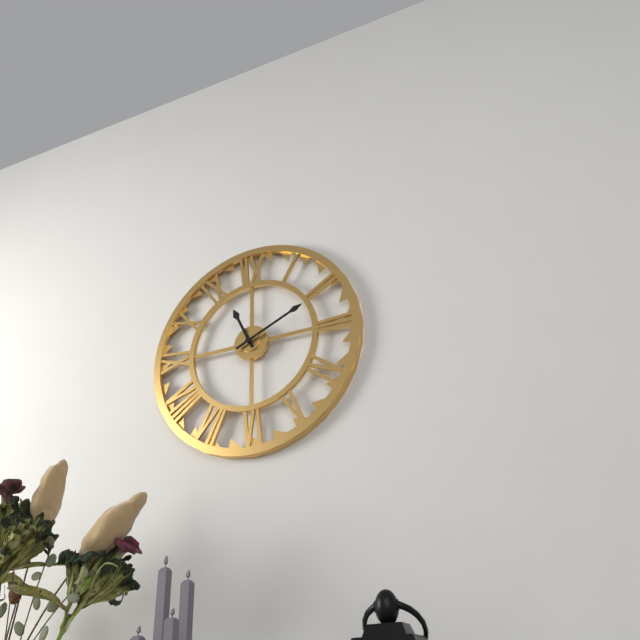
11:11
